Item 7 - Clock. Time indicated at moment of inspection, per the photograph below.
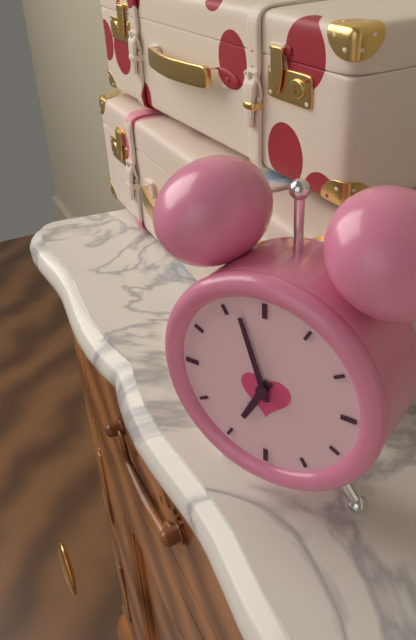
6:57
